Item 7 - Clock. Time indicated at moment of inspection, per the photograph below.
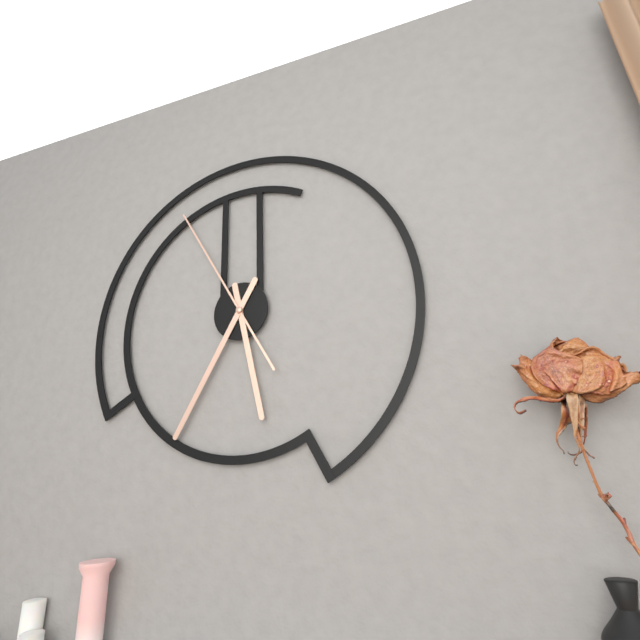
5:35:55
